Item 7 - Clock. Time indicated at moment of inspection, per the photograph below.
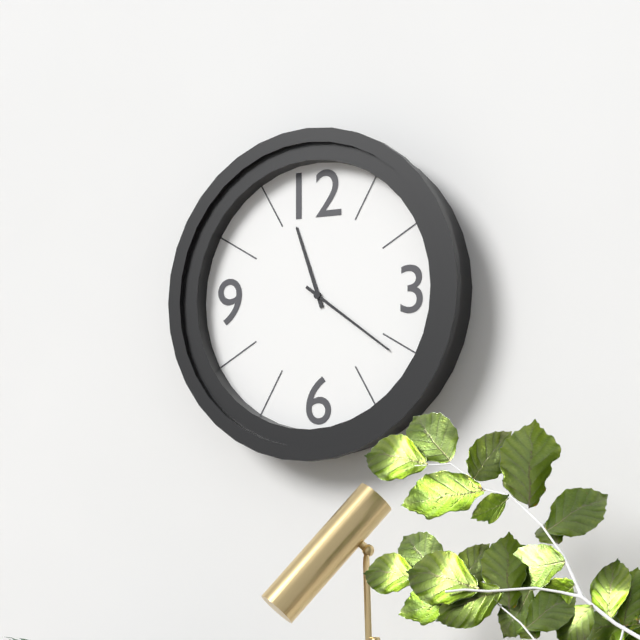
11:21
